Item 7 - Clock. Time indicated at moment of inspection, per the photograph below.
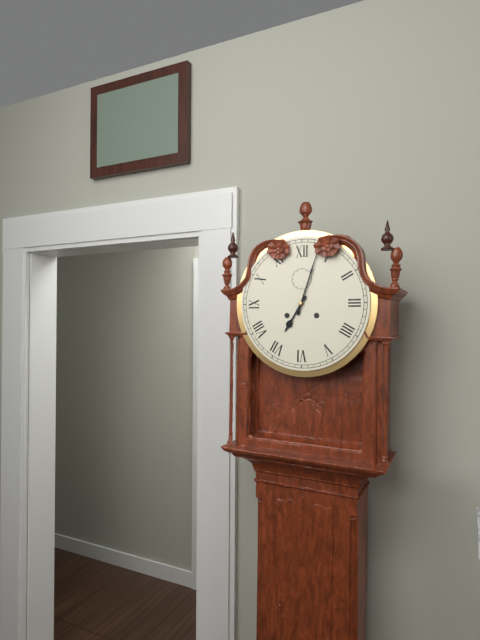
7:03
